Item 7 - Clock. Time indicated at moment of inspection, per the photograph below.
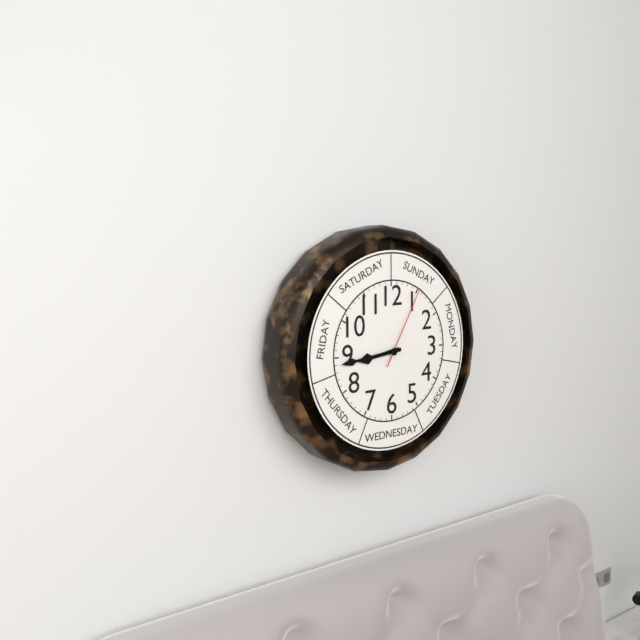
8:44:05
